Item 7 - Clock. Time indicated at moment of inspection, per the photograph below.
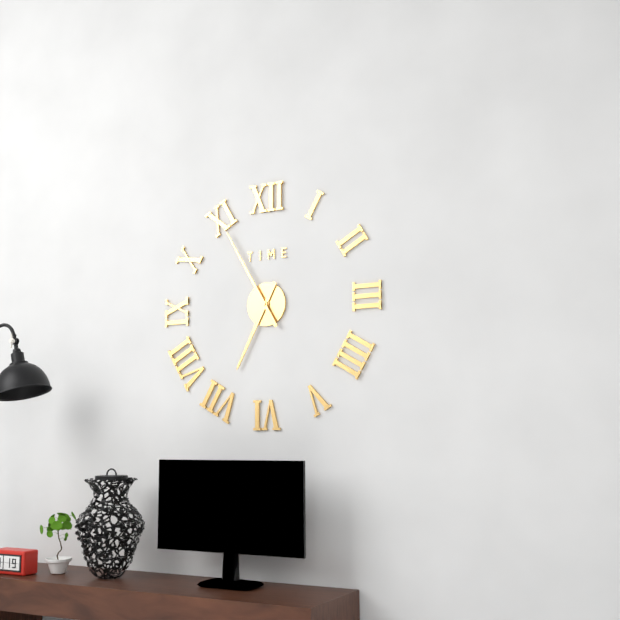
6:55
